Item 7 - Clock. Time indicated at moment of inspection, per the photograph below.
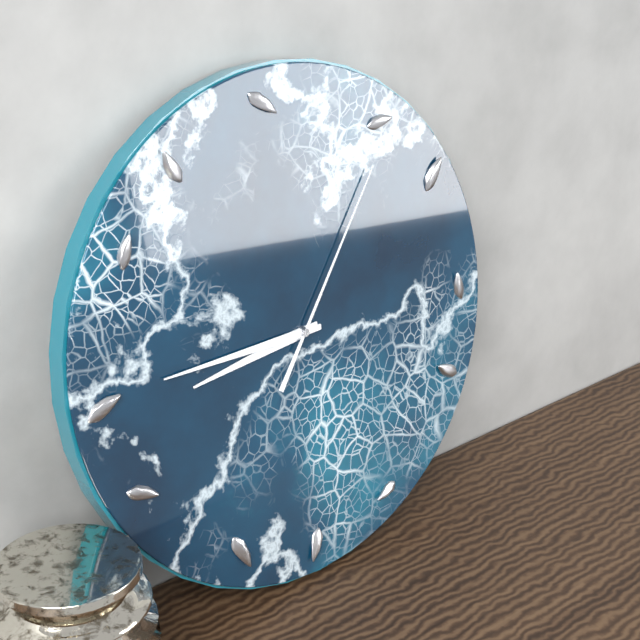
8:45:06
